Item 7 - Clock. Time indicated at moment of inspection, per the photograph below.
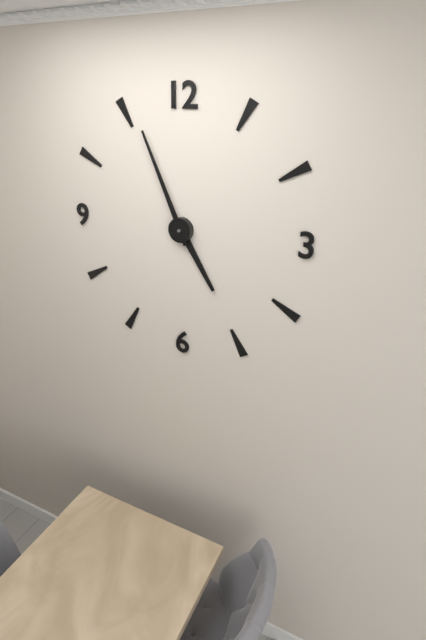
4:56
